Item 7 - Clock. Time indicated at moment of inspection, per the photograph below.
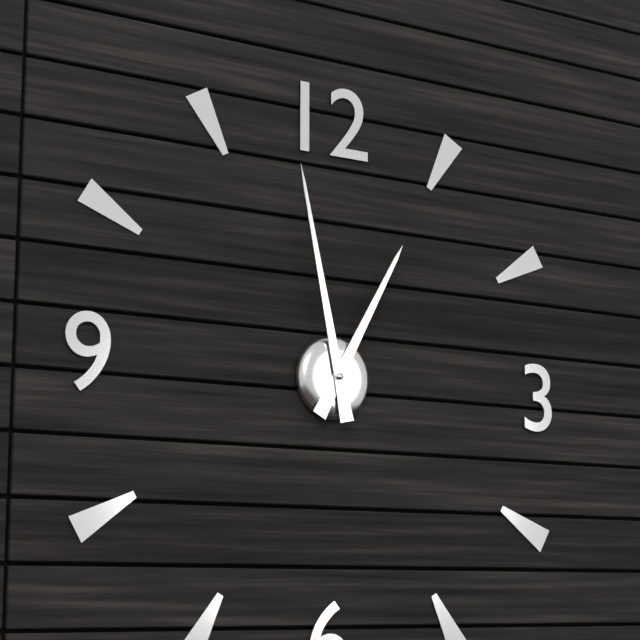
12:58
